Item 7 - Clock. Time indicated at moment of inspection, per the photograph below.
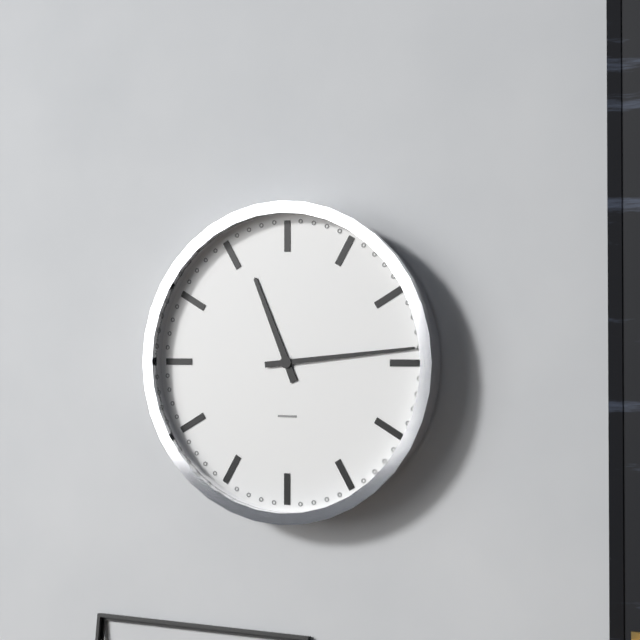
11:14
